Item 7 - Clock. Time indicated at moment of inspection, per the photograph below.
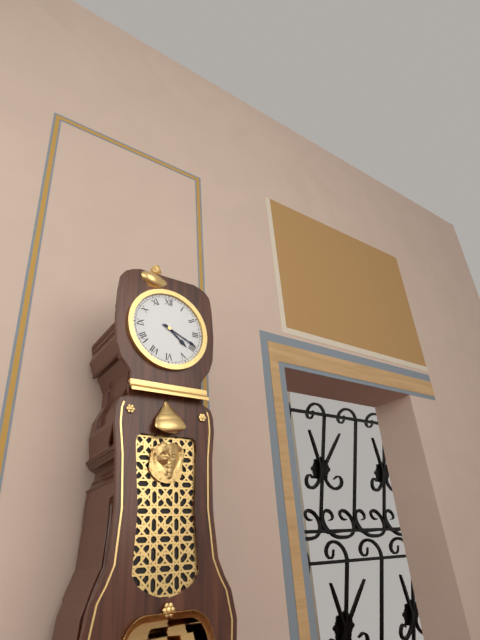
4:19
